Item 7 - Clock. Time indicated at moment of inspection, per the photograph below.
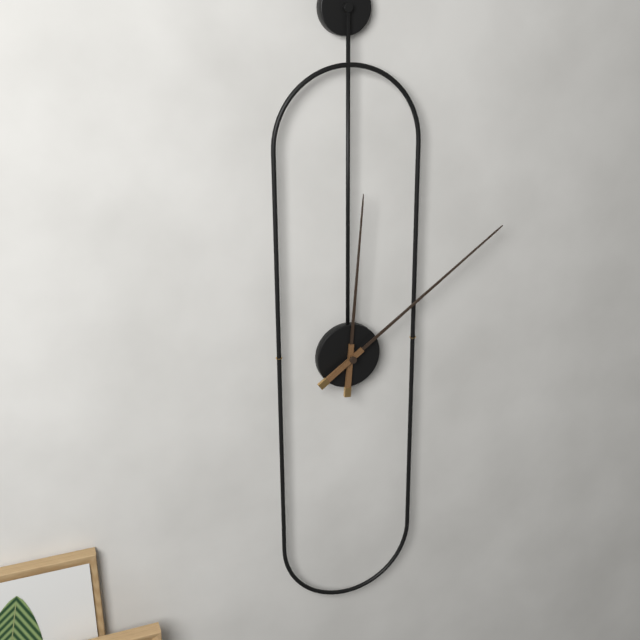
12:09
